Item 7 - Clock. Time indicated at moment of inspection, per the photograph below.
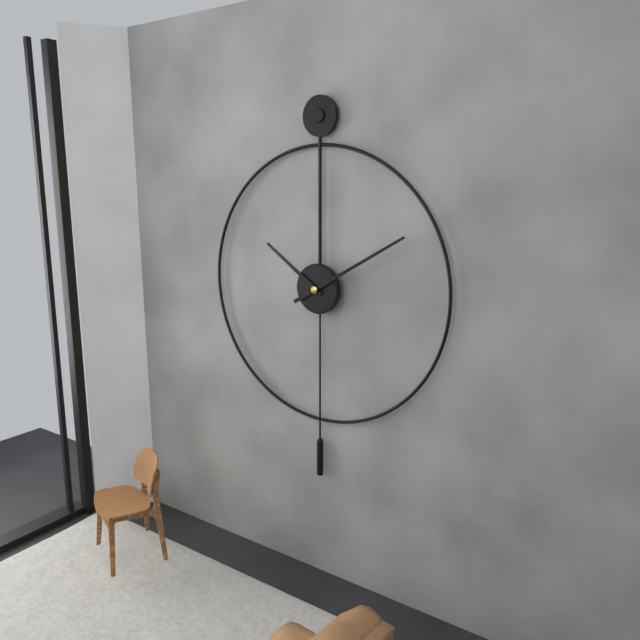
10:10
